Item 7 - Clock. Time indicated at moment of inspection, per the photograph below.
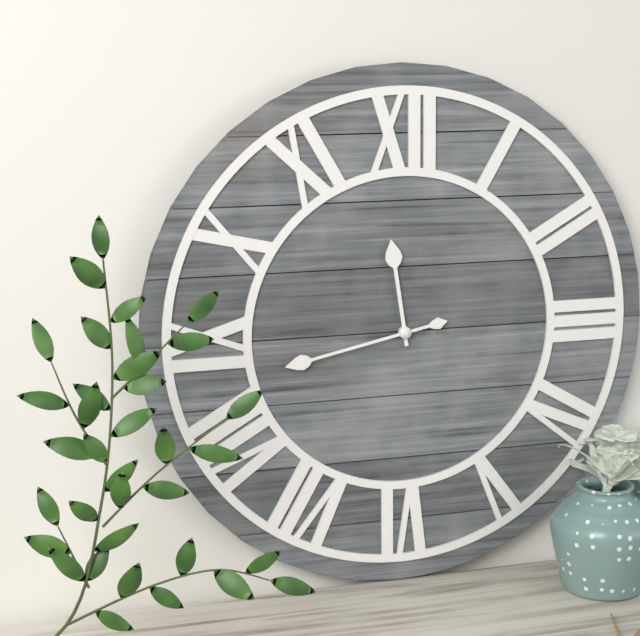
11:43
